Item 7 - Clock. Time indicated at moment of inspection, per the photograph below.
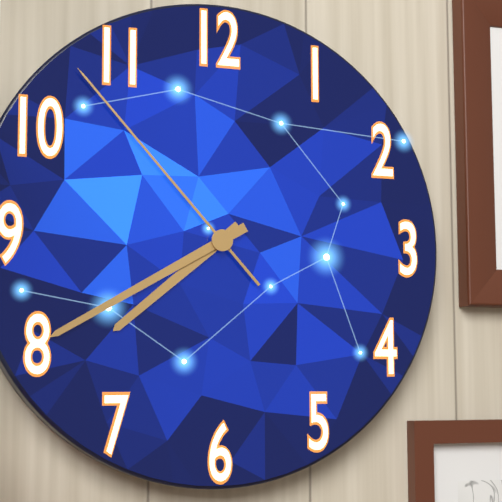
7:40:53
